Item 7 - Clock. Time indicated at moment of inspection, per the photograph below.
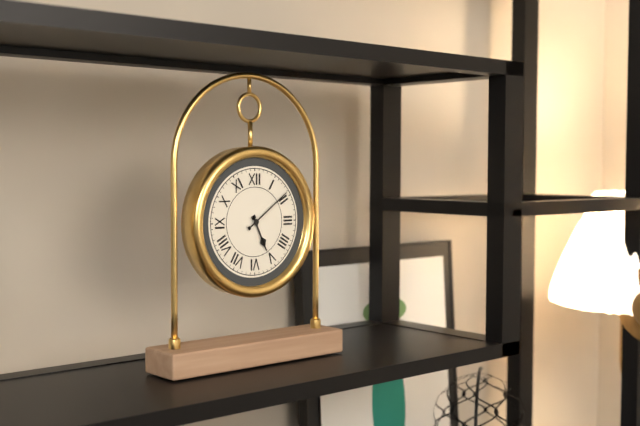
5:09
